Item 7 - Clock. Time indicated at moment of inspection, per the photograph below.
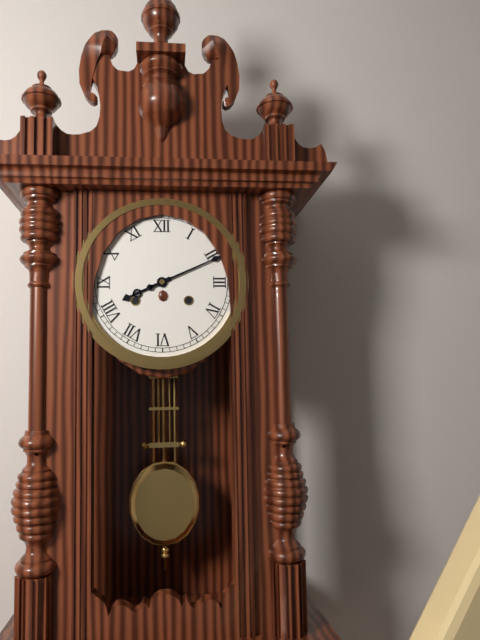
8:11
